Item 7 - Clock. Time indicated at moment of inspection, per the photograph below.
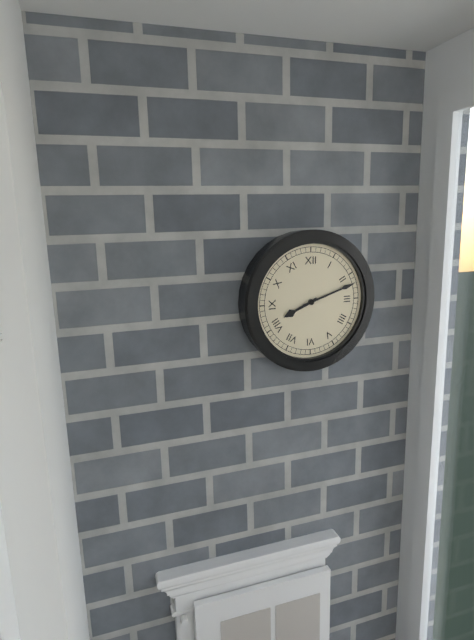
8:12
